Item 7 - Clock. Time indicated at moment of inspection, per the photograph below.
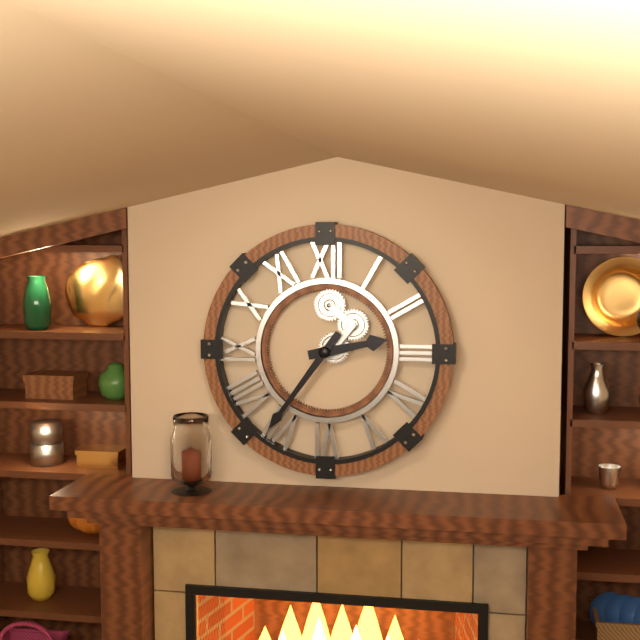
2:36
